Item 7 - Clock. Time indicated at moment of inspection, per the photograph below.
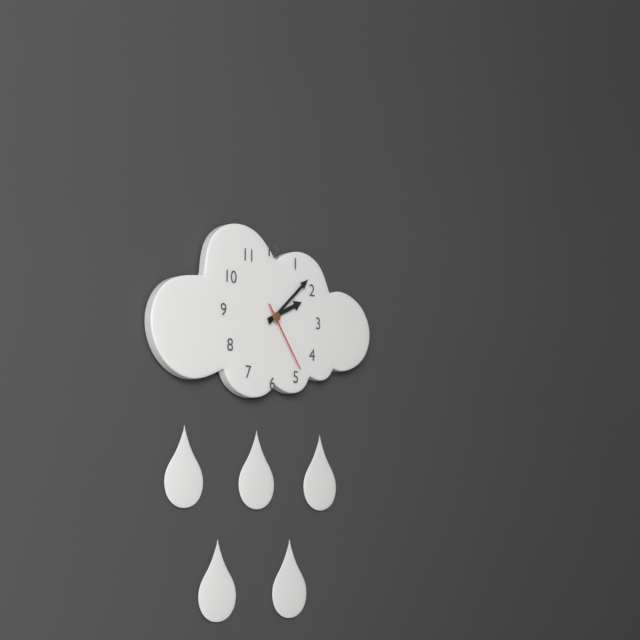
2:08:24
